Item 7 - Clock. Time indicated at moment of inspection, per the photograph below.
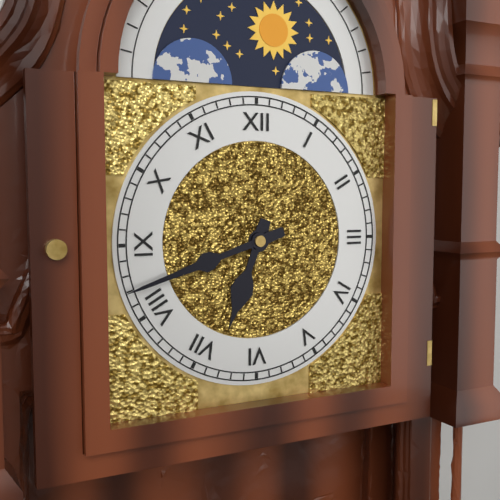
6:42
